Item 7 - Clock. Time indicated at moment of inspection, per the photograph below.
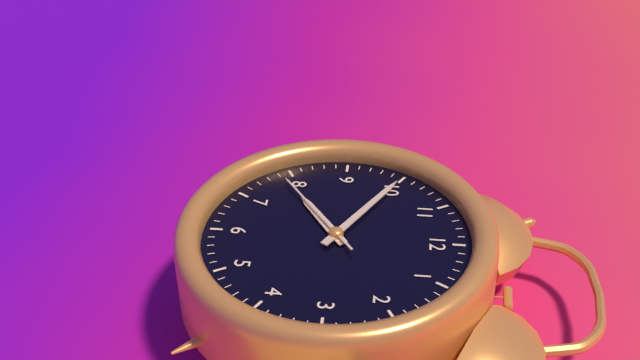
7:50:39
